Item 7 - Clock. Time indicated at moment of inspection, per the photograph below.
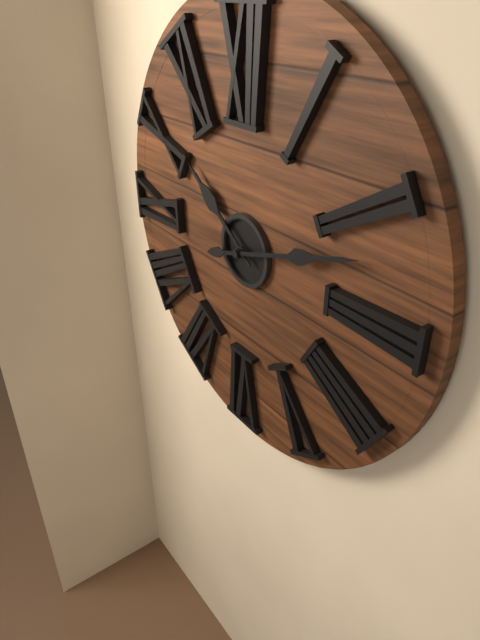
10:12
